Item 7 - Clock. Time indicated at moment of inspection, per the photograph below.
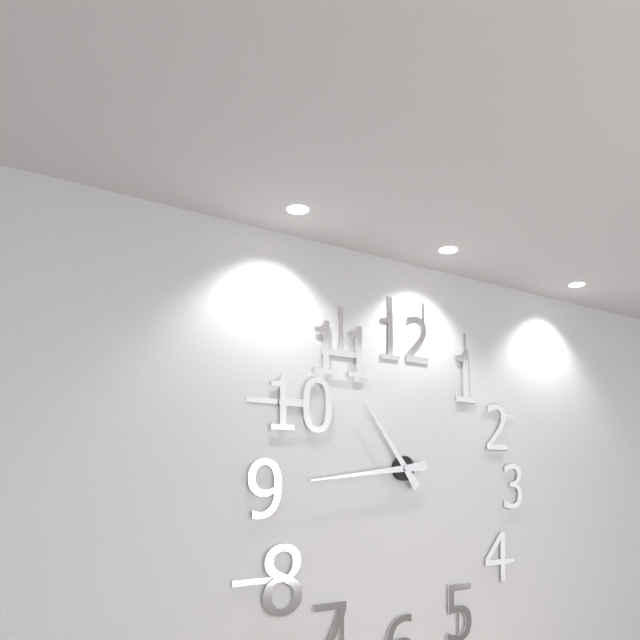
10:44
